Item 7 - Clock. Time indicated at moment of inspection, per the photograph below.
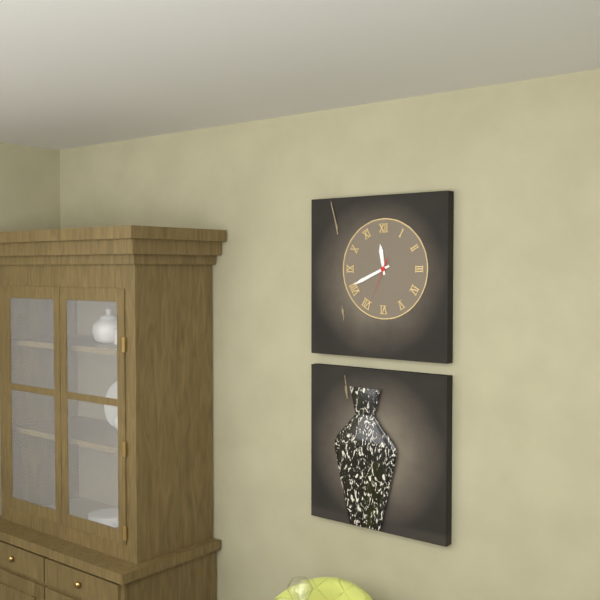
11:41
